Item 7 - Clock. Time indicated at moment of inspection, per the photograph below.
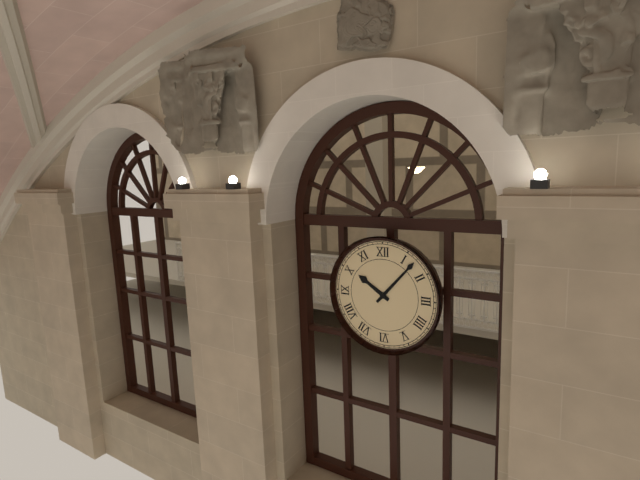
10:07
